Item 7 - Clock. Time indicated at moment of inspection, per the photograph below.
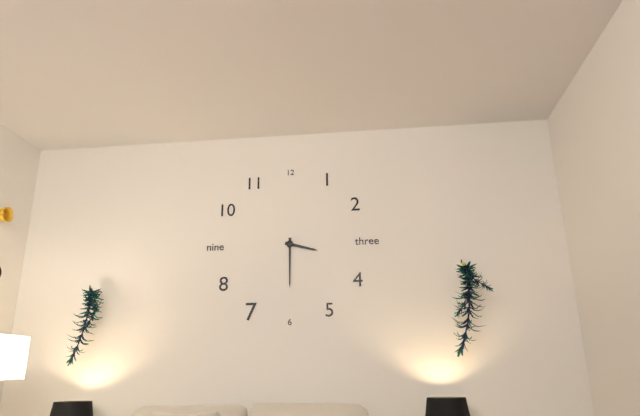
3:30
